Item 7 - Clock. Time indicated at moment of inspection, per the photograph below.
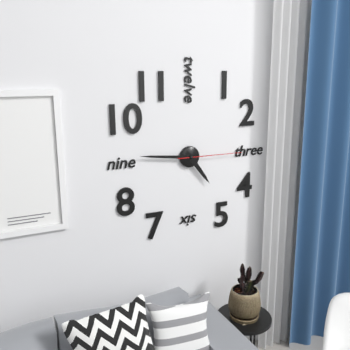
4:46:15
